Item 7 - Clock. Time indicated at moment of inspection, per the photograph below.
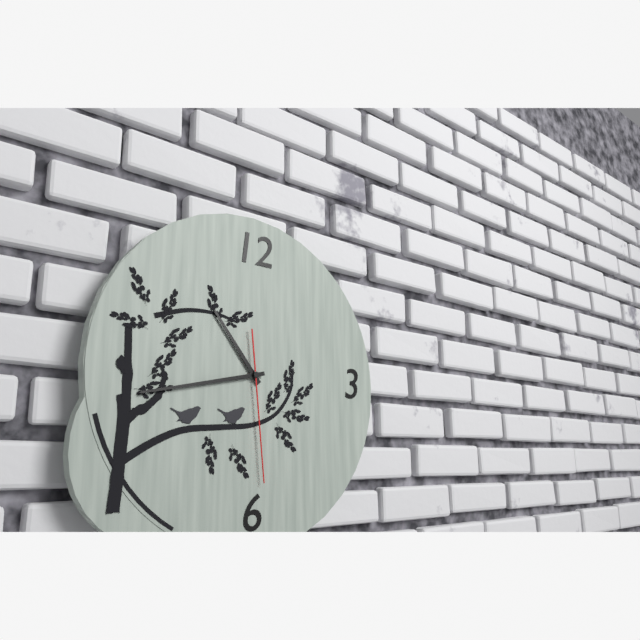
10:43:29
